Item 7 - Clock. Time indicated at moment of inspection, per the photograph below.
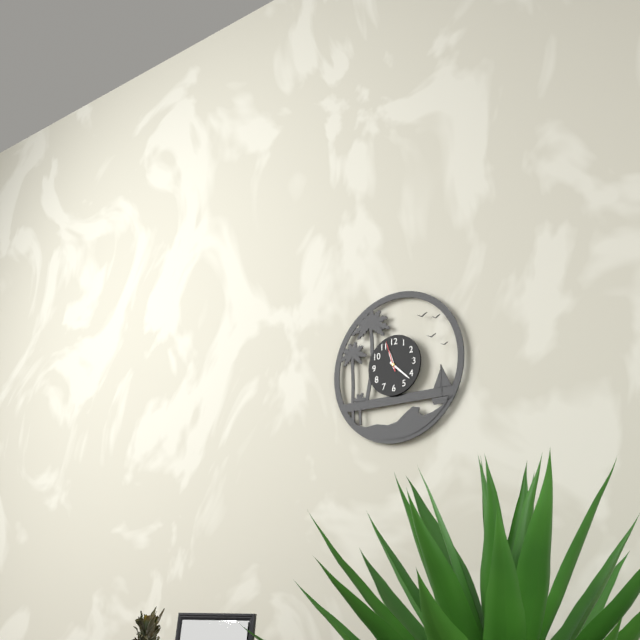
11:22
